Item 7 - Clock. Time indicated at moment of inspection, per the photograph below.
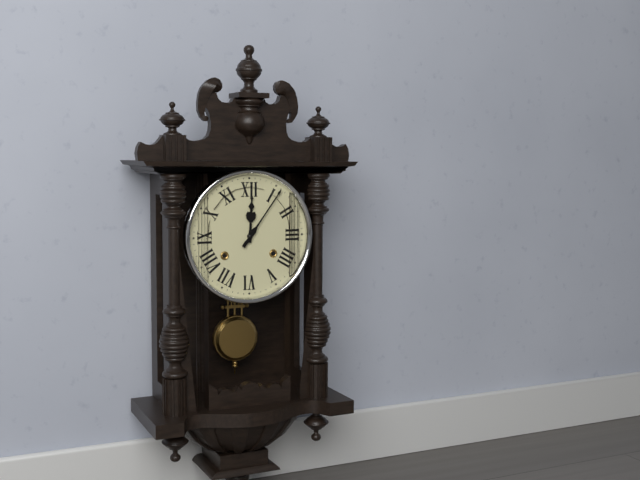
12:06
